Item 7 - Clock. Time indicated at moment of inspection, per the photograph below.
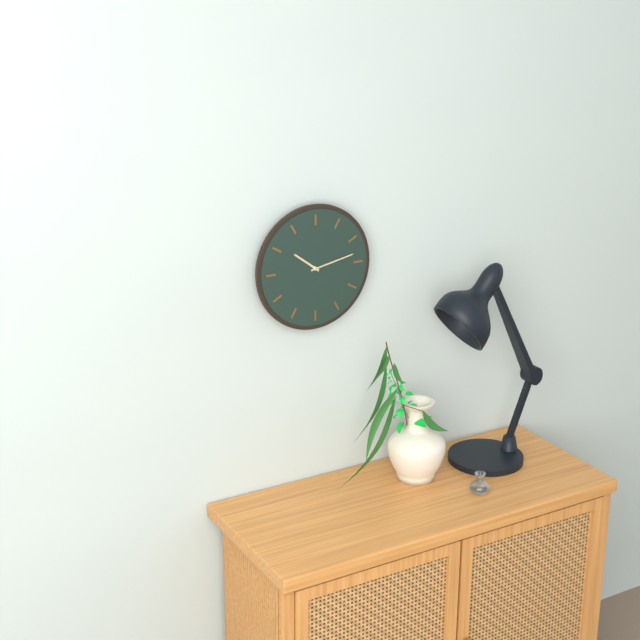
10:13
